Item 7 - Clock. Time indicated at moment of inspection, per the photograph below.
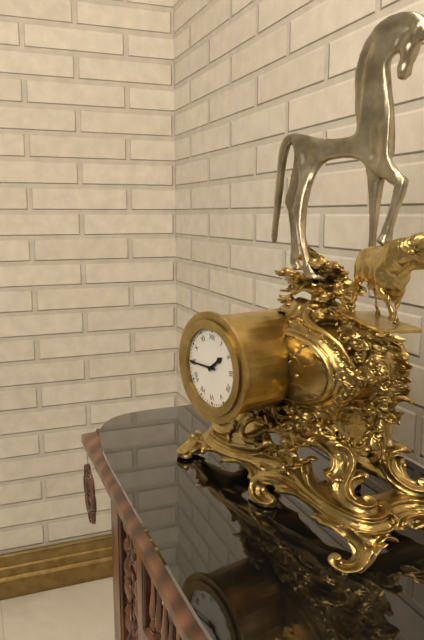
1:45
